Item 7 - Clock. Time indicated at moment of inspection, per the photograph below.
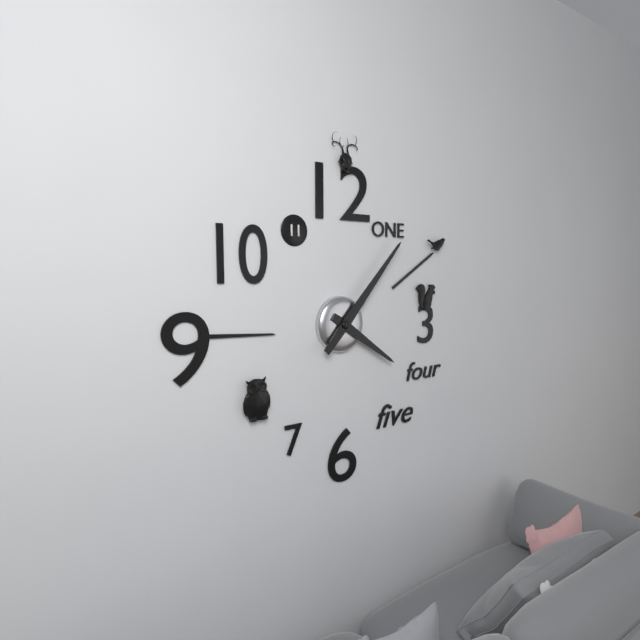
4:07
